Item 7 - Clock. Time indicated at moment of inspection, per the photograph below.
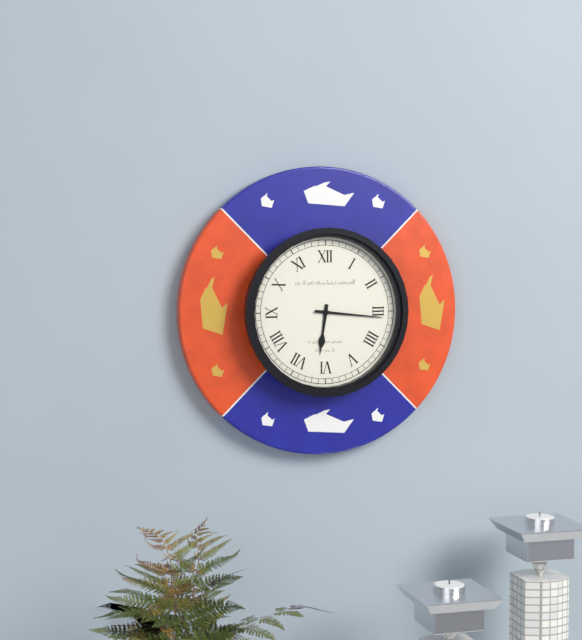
6:16
